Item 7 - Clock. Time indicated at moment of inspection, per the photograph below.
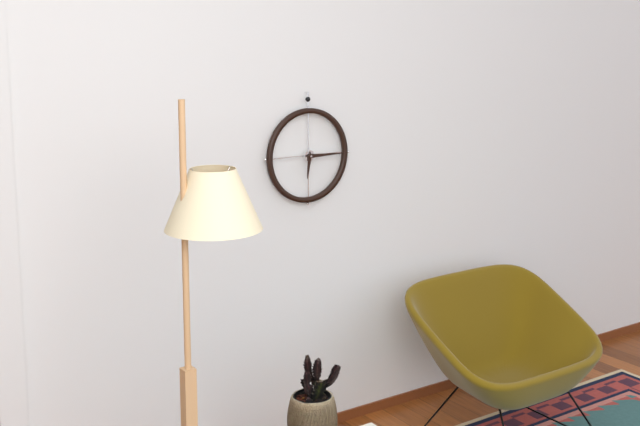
6:15
